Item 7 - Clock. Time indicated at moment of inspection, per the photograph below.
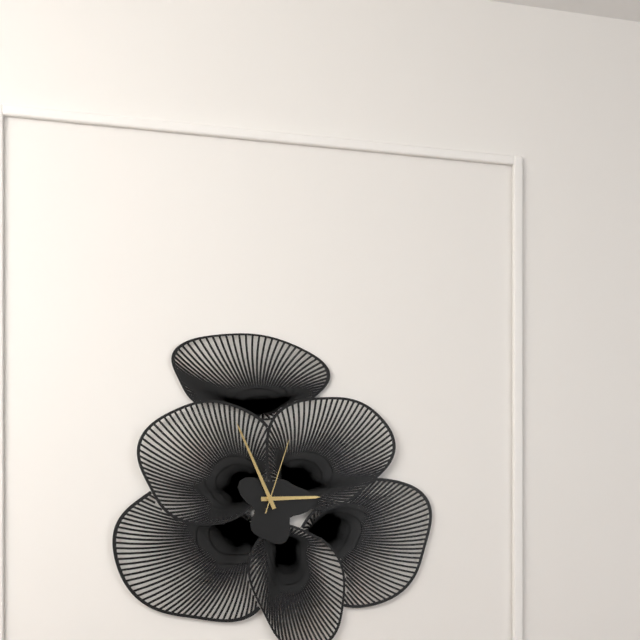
2:56:03
